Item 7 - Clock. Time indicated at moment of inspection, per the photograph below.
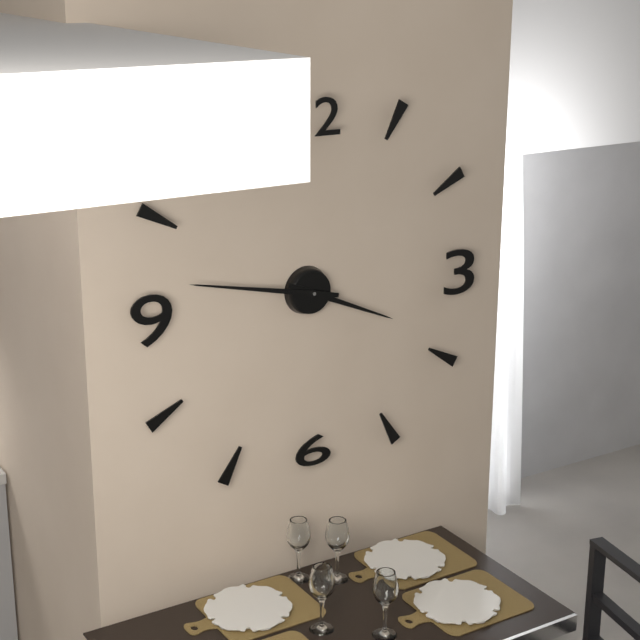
3:47
